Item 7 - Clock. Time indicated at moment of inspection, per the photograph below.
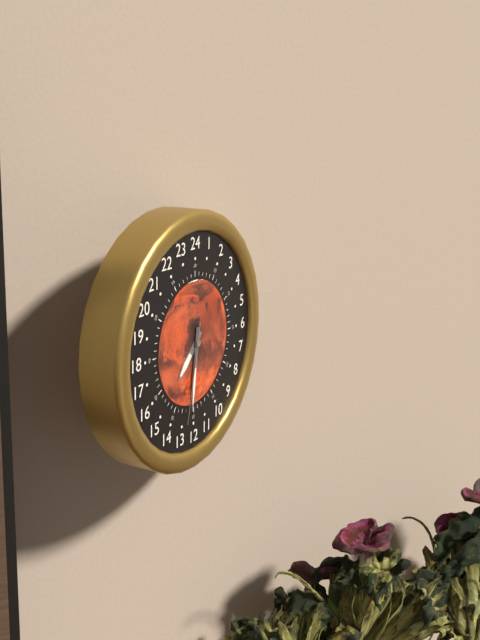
7:31:32
